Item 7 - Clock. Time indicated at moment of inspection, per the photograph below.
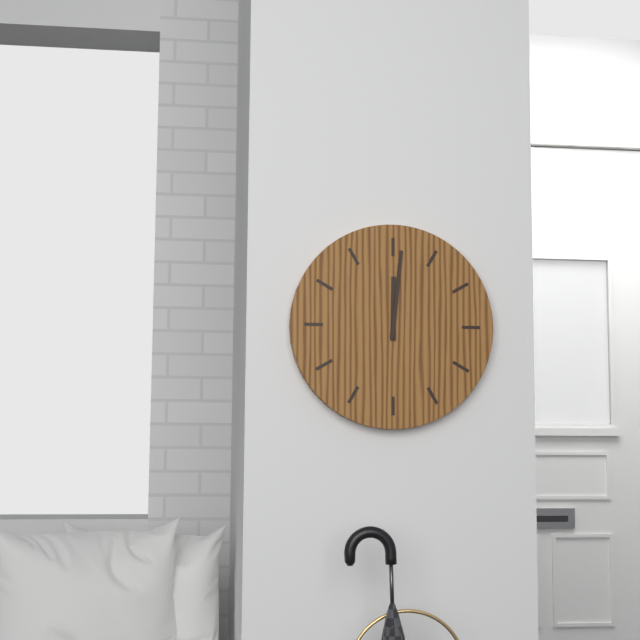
12:01
